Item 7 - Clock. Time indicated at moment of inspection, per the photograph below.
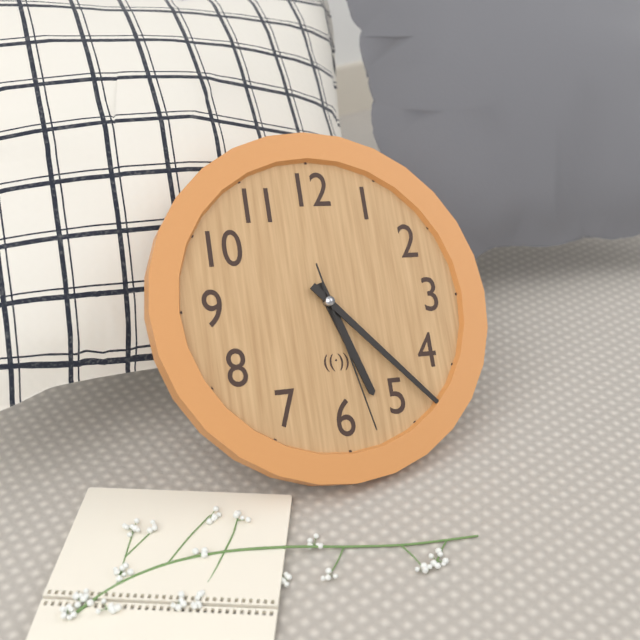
5:23:28
